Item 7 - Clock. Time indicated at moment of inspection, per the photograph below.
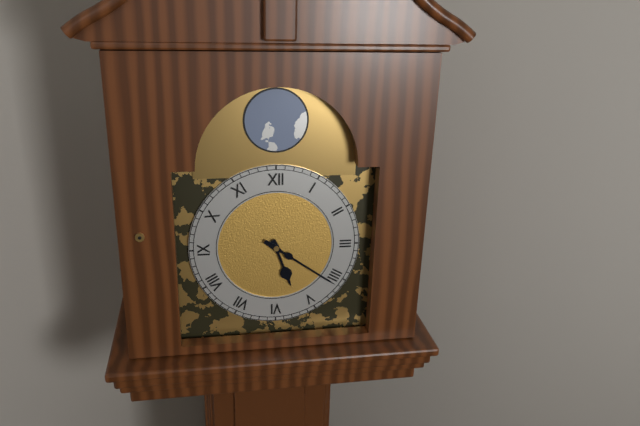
5:21
